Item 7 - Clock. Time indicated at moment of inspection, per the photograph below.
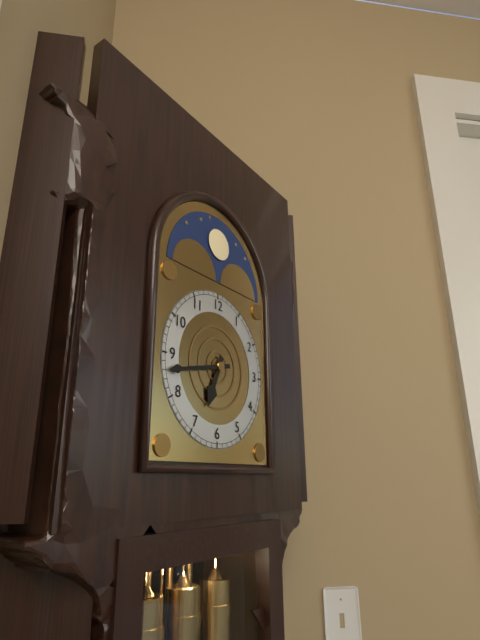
6:43
